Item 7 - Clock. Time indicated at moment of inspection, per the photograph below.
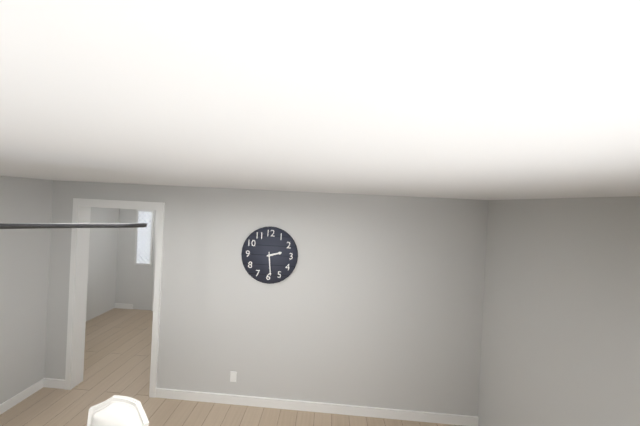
2:29
